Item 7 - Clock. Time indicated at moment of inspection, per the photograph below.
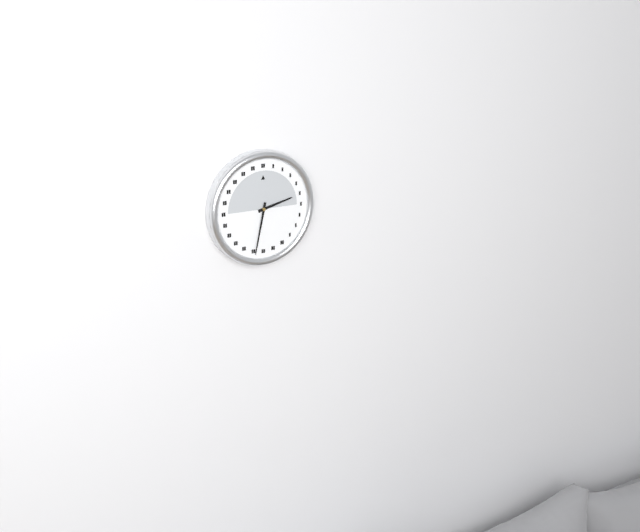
2:32
